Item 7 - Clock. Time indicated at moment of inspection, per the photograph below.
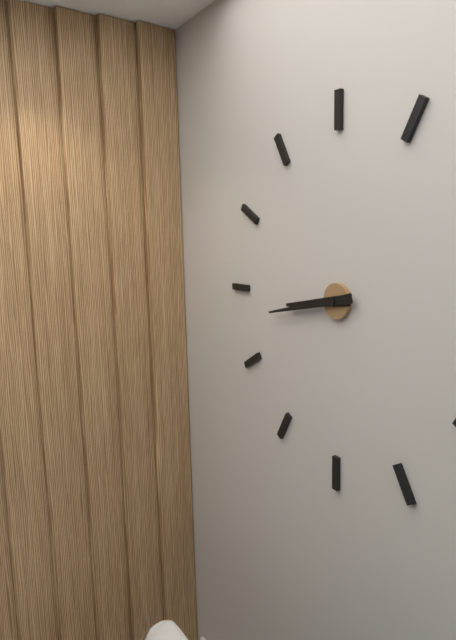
8:43
